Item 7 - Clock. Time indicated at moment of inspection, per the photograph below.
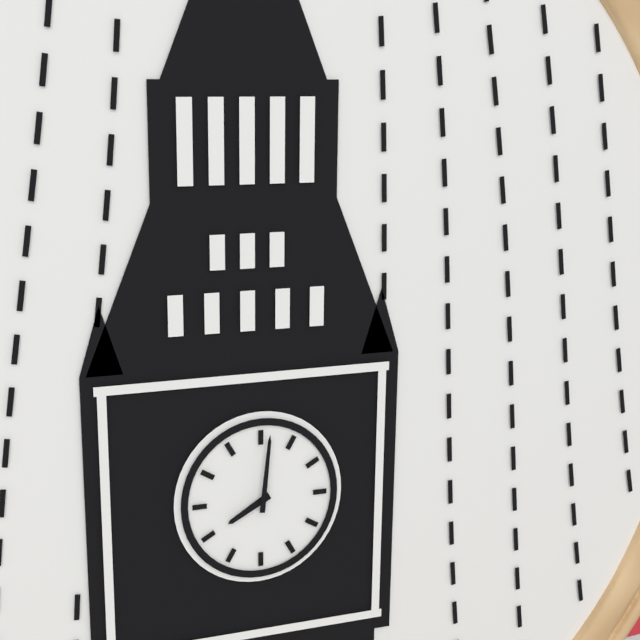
8:01
